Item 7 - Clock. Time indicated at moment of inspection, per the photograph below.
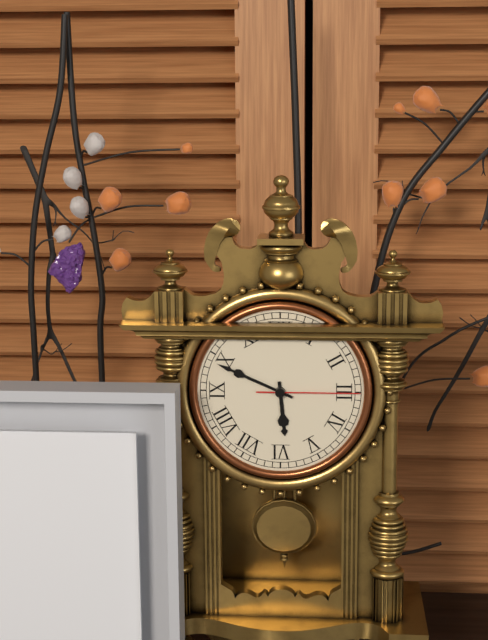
5:49:15
